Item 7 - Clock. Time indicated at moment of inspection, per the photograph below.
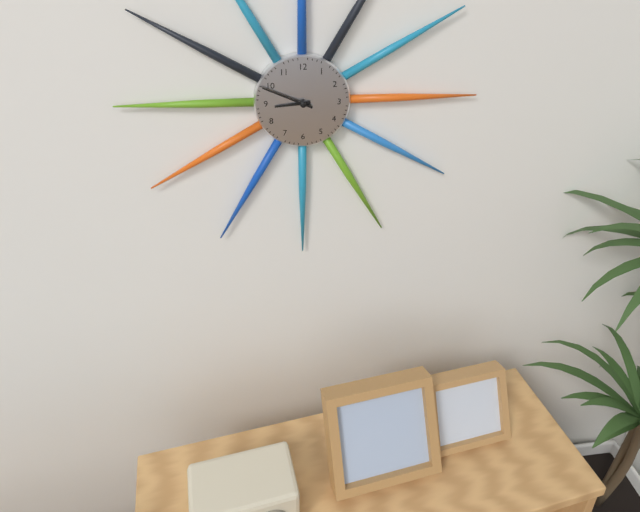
8:49
